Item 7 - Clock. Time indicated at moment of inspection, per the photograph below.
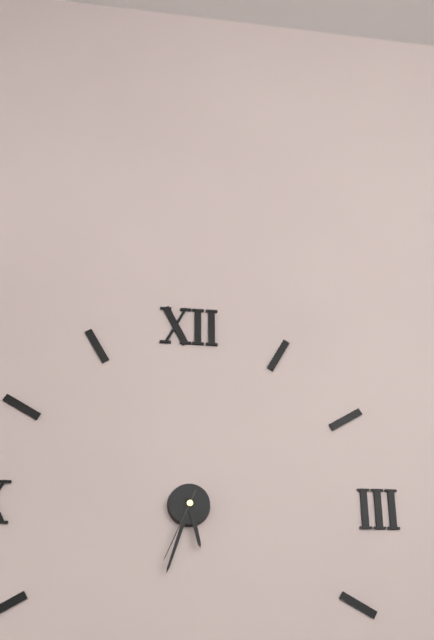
5:33:34
